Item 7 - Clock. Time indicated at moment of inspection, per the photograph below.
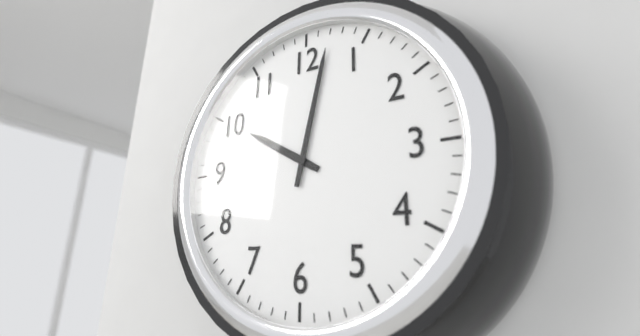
10:02
